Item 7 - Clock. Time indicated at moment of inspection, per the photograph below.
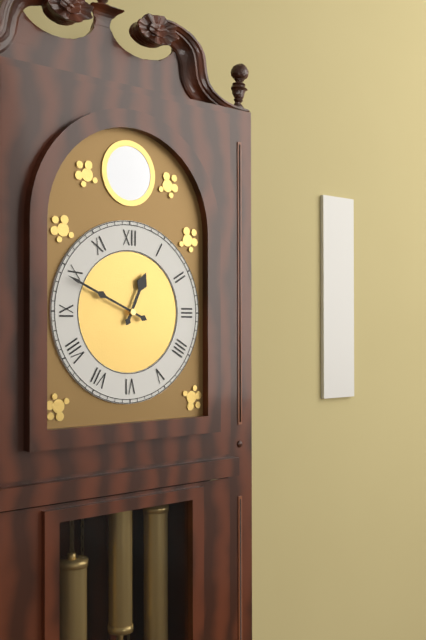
12:49
